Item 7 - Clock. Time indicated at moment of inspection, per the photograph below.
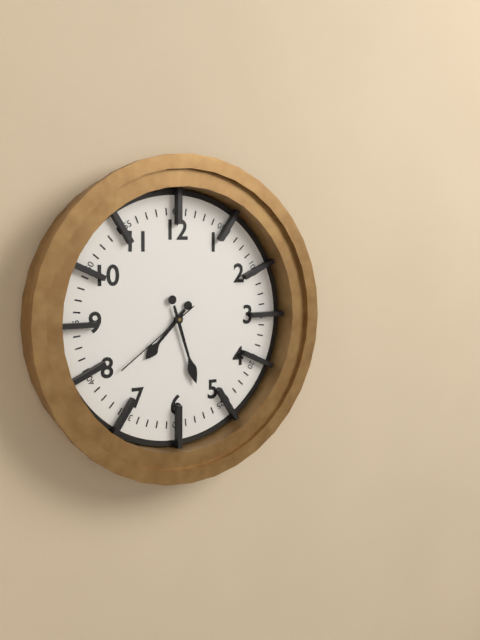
7:27:39
